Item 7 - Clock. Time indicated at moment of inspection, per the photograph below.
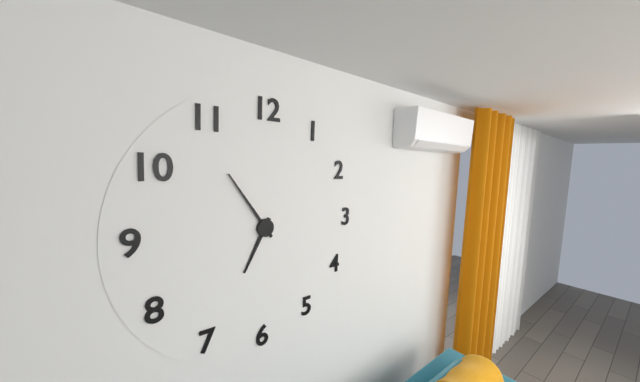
6:54
